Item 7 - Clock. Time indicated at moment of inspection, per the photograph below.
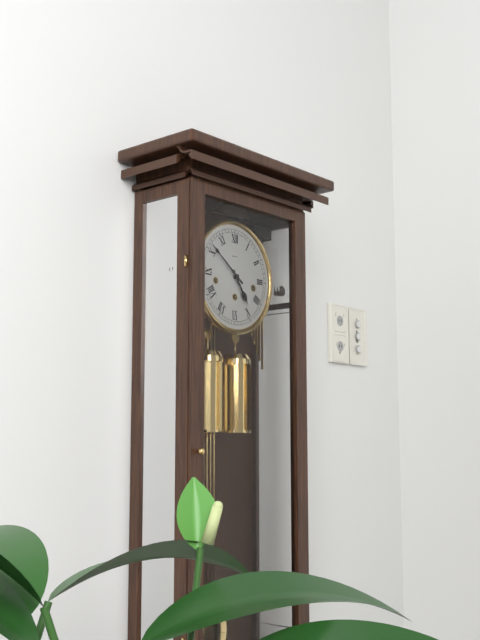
4:51
